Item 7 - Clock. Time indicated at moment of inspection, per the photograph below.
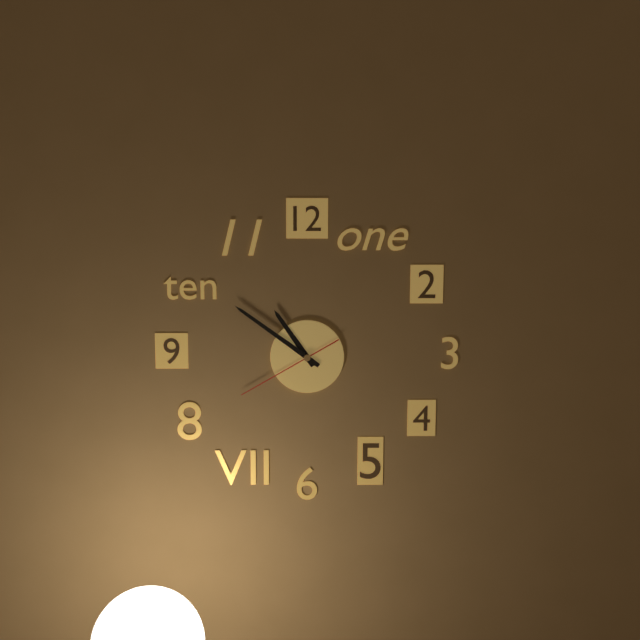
10:51:40
